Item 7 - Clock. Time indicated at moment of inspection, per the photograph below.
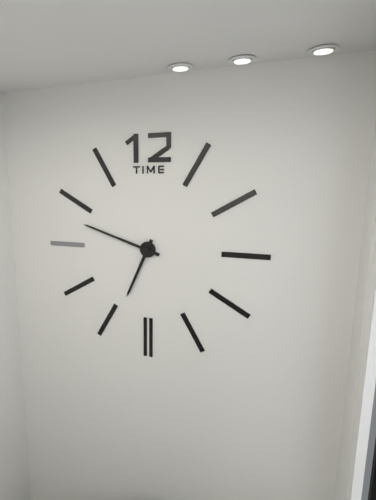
6:48
